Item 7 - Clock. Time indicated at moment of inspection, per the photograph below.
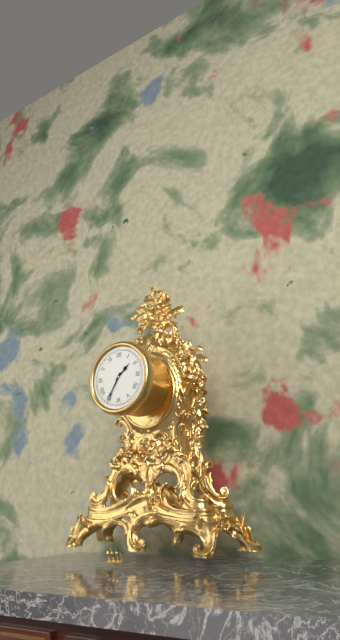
1:35
